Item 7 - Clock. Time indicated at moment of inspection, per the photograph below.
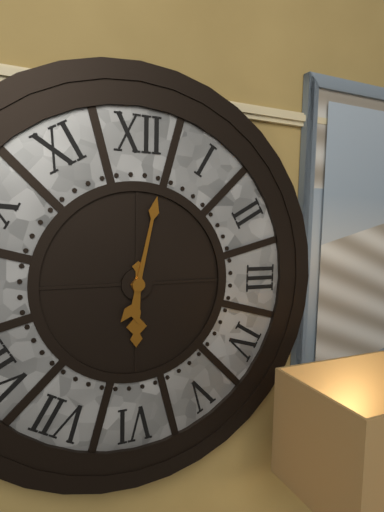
6:02
